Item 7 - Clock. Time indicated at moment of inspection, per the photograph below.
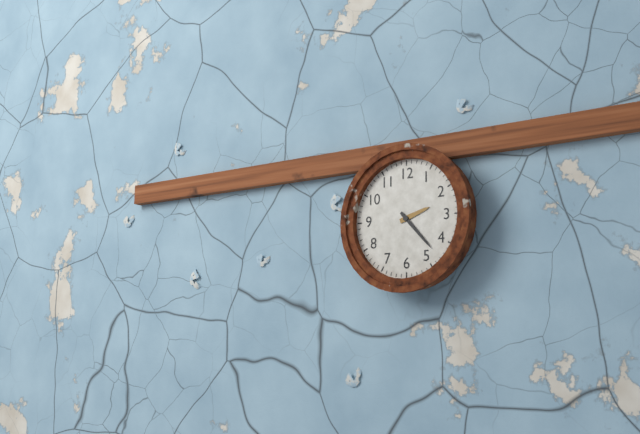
2:23
